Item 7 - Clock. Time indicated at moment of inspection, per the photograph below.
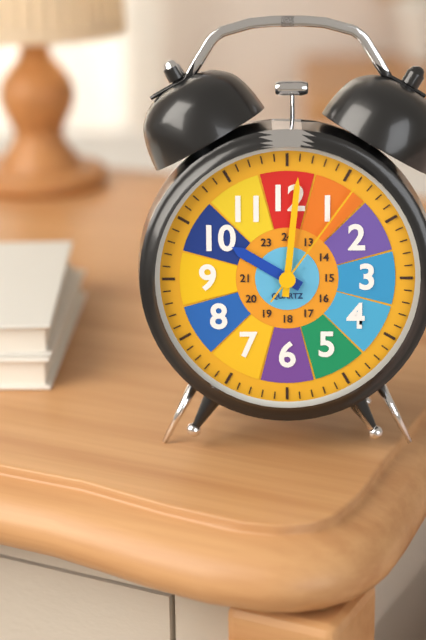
10:01:06
